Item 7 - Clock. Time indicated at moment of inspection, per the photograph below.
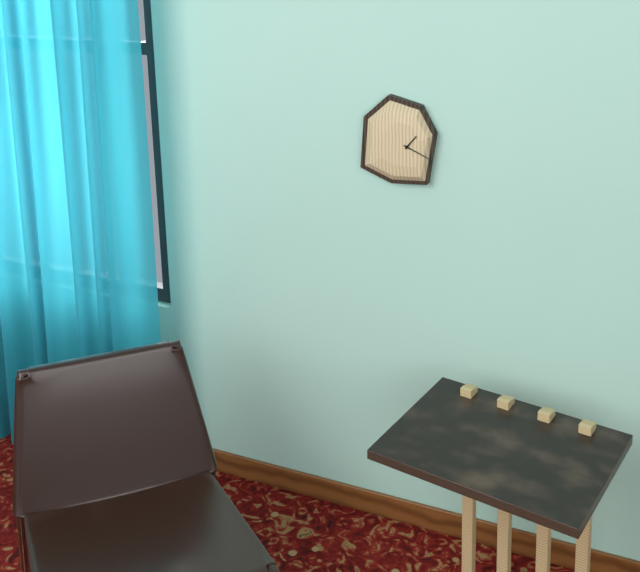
1:19
